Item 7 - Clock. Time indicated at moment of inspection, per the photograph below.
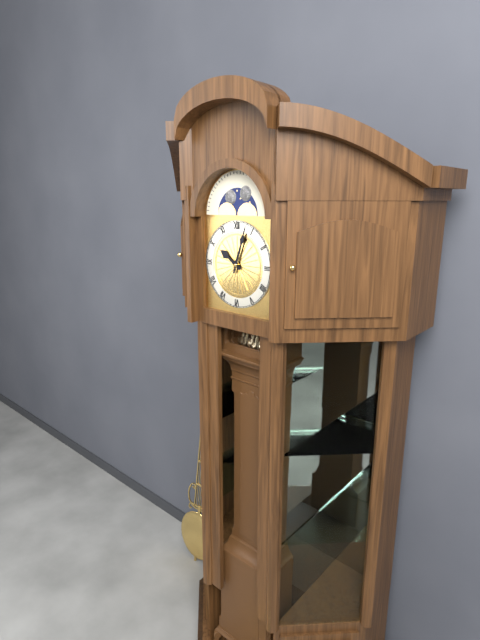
10:03
